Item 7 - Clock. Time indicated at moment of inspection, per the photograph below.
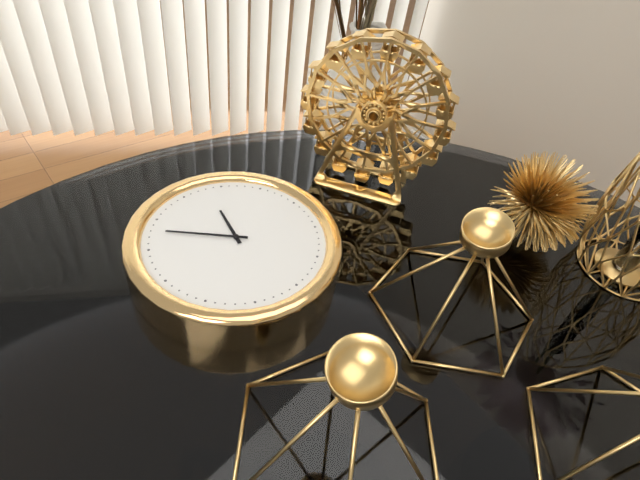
9:38
